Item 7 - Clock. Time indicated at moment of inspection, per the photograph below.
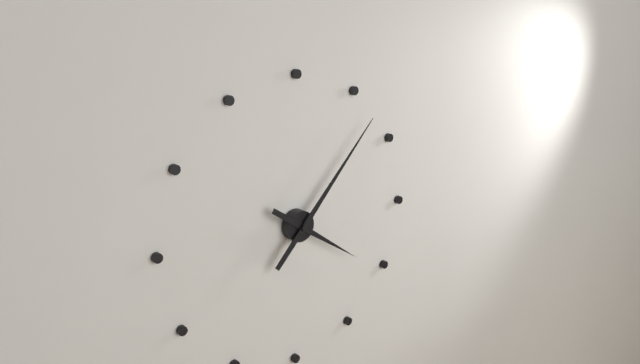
4:07
